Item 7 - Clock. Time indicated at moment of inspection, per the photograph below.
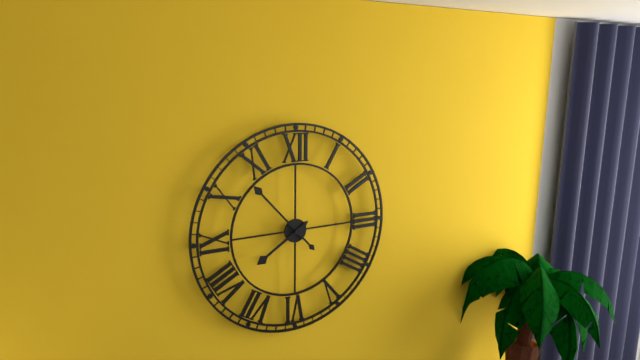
7:53
